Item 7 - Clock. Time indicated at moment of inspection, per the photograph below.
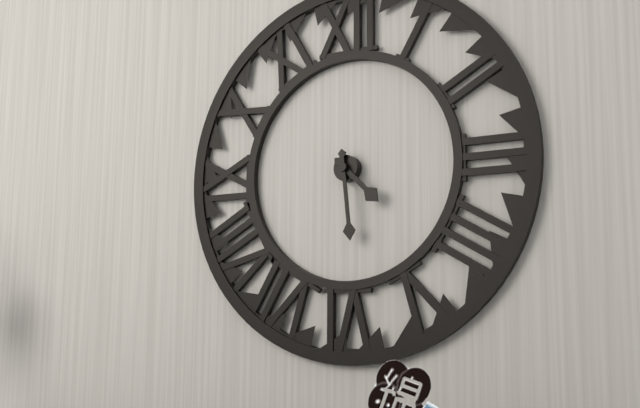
4:29
